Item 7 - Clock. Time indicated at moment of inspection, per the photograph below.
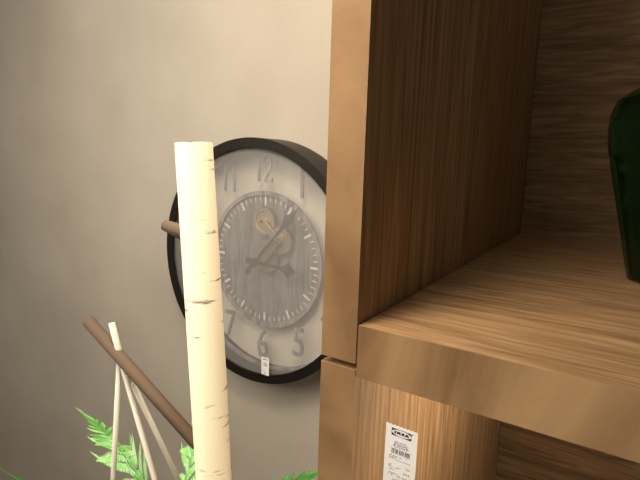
3:07
